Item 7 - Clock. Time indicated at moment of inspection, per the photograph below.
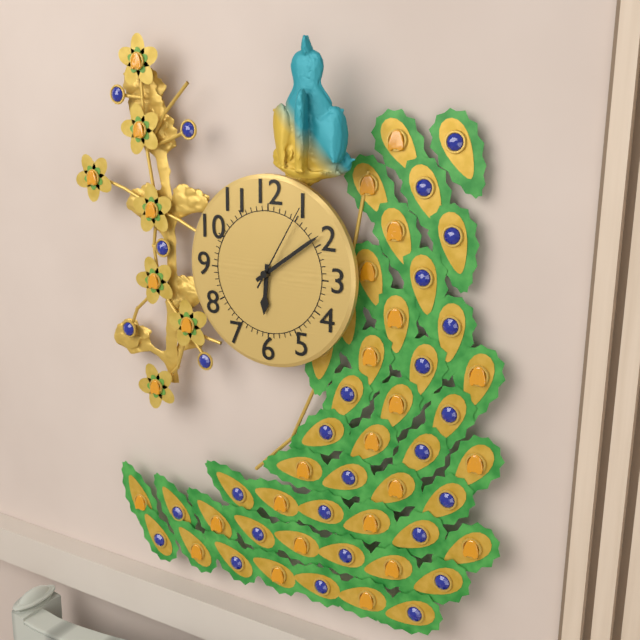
6:09:05
